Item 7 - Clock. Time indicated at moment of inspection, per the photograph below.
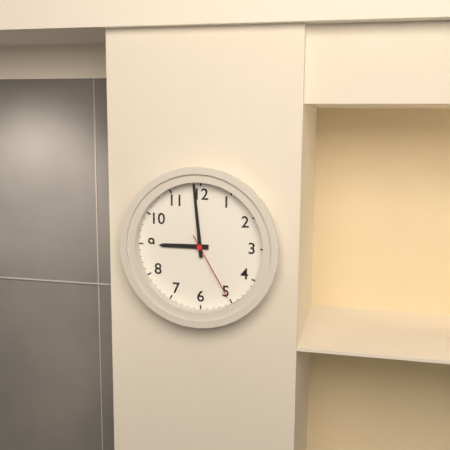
8:59:25
